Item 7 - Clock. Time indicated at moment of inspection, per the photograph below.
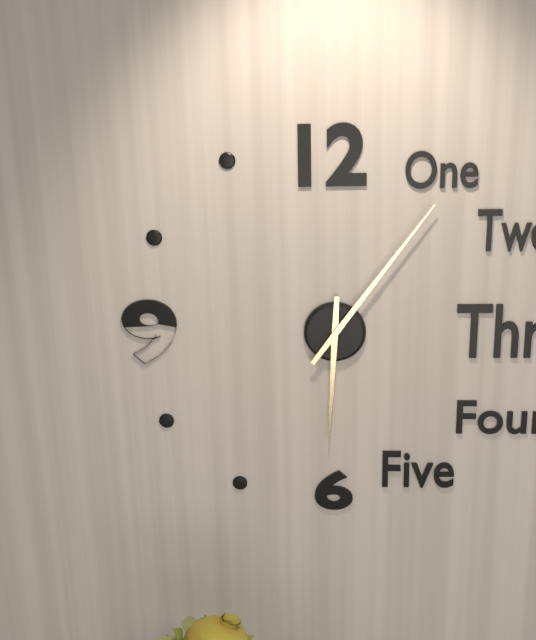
6:06
